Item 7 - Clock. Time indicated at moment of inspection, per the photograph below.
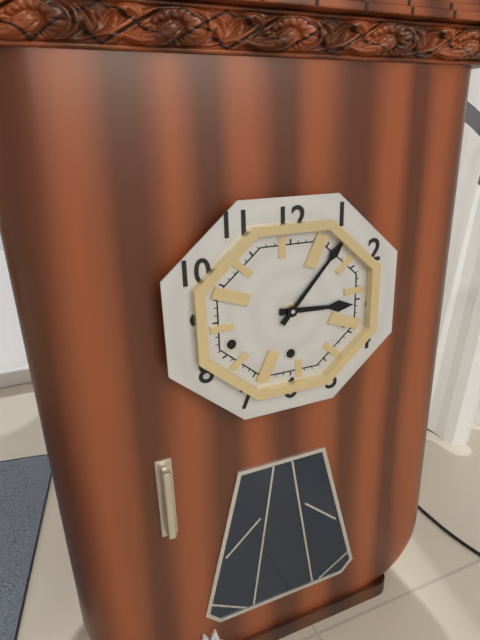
3:07
